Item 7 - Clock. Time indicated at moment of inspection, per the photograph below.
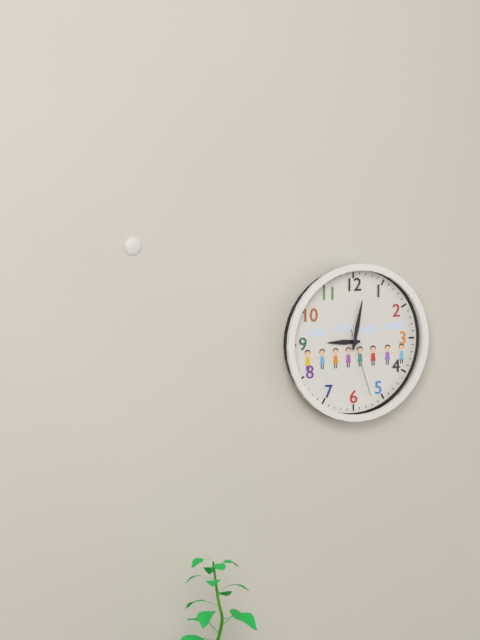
9:02:27
